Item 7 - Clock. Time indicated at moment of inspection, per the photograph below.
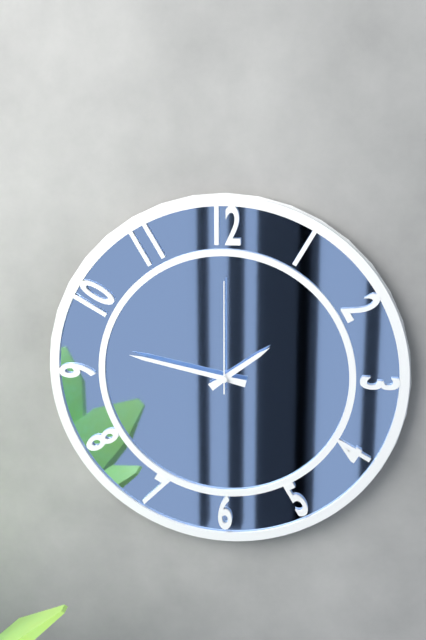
1:47:00
